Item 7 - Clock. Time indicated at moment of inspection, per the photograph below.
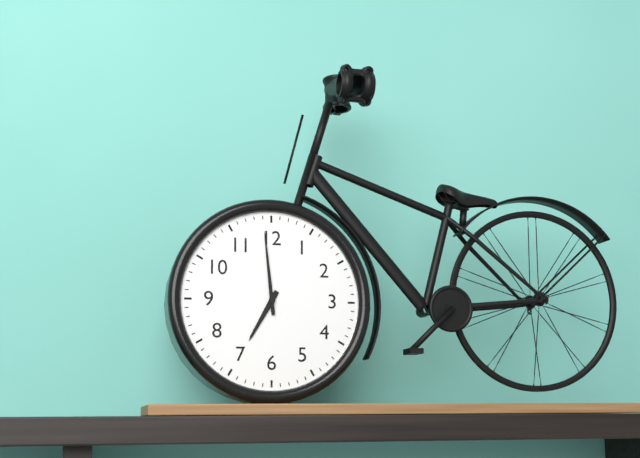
6:59
